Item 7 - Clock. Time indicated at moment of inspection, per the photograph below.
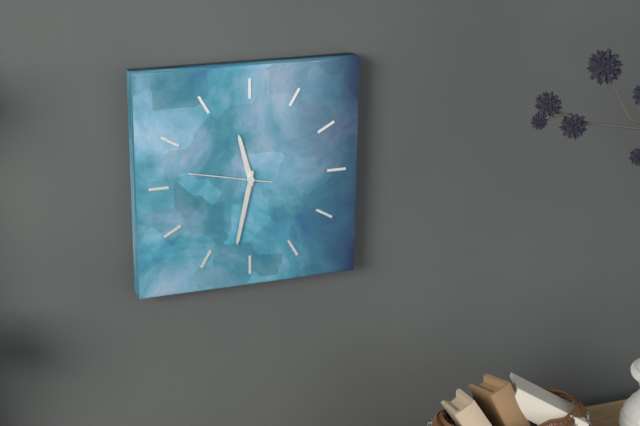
11:32:47
